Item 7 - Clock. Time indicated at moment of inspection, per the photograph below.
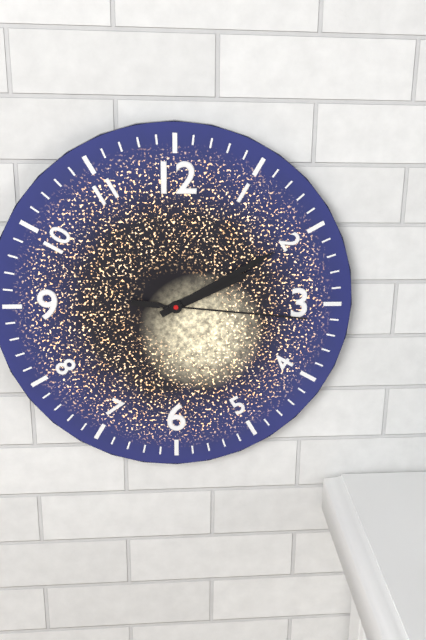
2:10:16
